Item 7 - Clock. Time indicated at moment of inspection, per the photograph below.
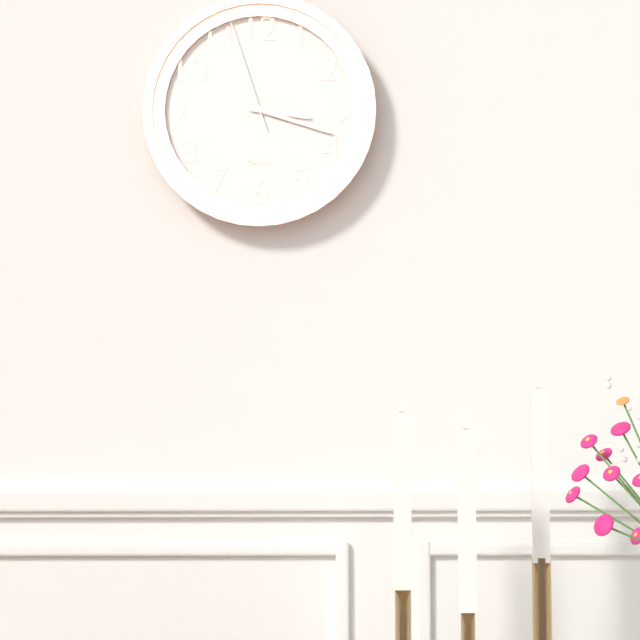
3:18:57
